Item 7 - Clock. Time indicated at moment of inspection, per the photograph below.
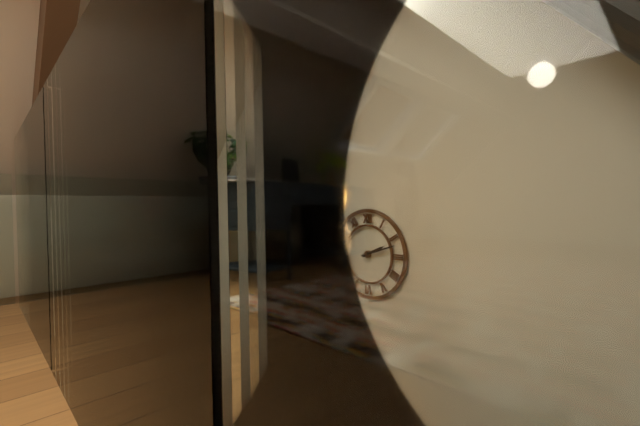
2:12
